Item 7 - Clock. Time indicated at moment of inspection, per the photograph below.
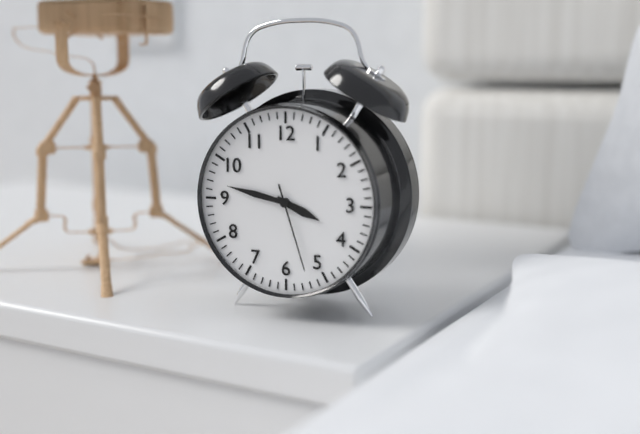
3:47:27
